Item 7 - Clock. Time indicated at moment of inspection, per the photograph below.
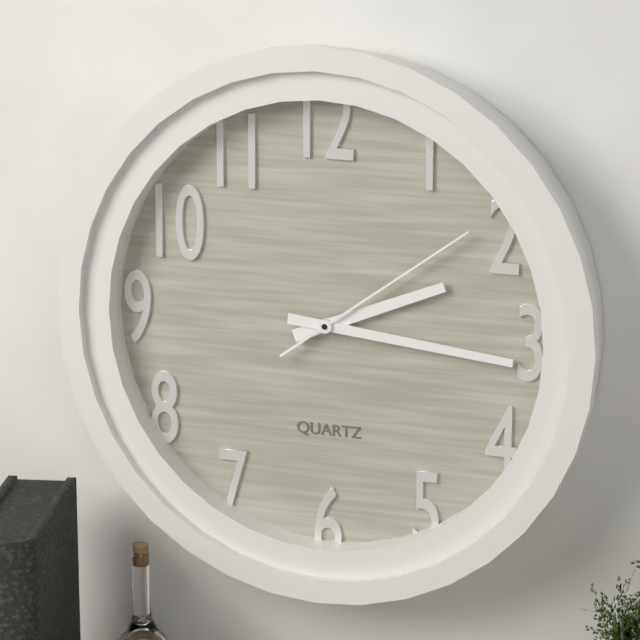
2:16:09
